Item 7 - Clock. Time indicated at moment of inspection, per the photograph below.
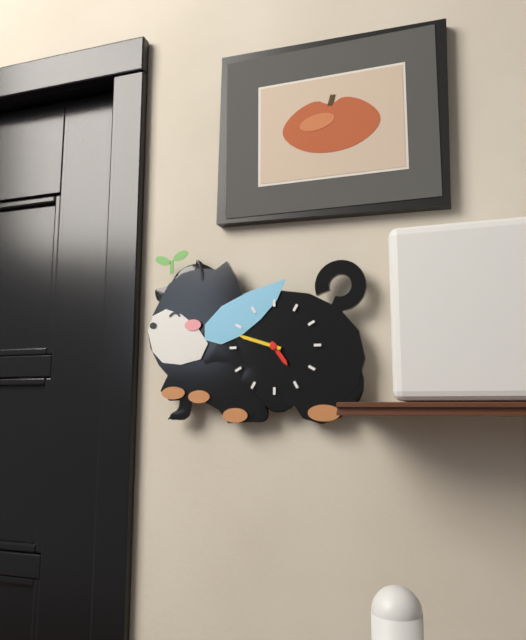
4:48
